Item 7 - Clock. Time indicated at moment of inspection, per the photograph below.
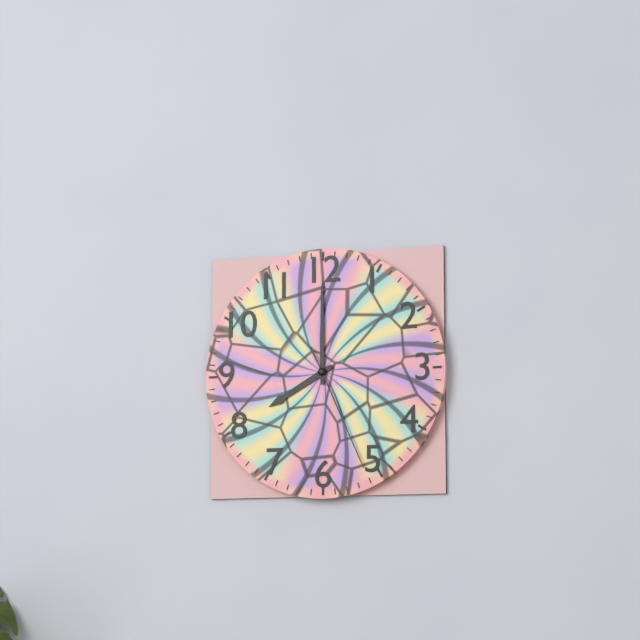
8:00:26
